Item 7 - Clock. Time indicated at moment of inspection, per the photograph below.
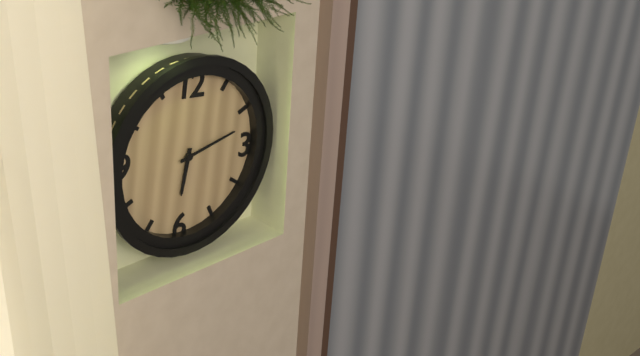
6:12
